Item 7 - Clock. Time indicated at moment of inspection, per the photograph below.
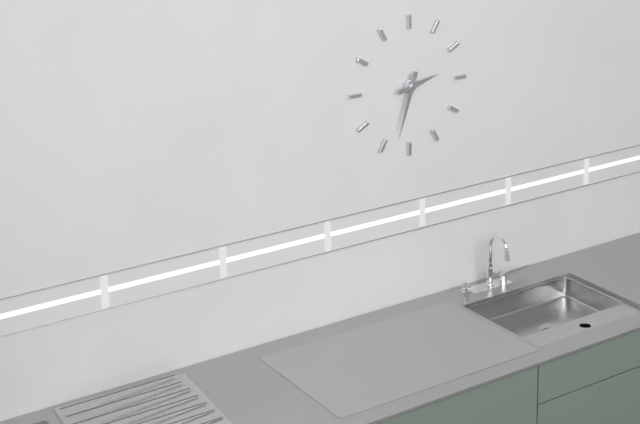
2:33
